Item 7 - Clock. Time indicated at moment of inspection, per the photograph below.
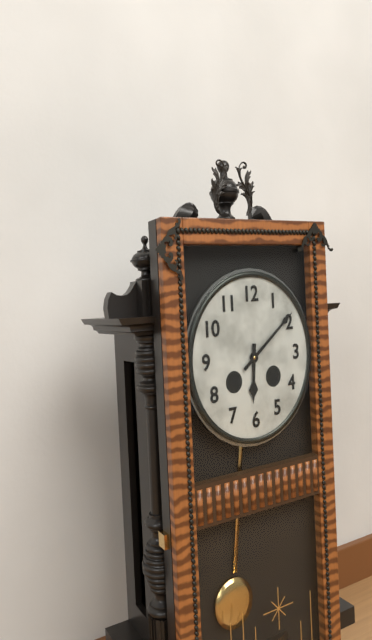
6:09
